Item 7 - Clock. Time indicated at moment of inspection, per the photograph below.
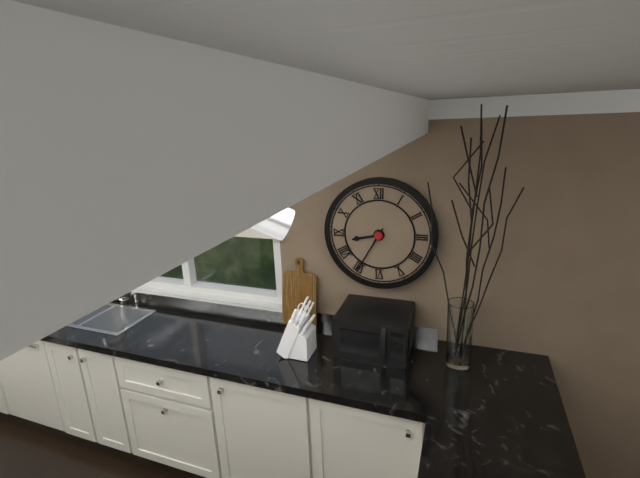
8:35
